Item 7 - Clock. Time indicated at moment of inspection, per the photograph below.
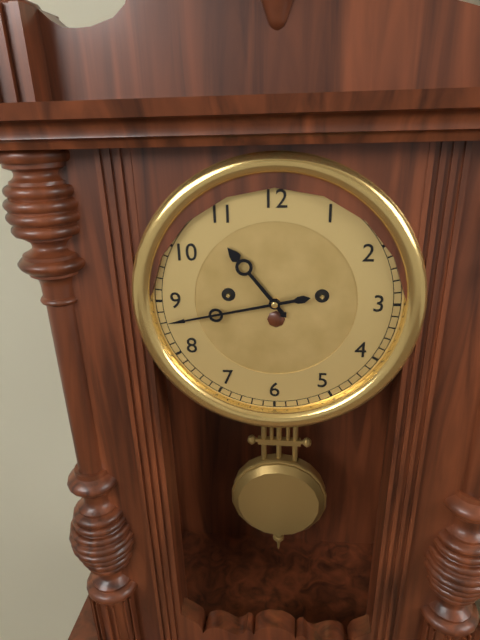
10:43
